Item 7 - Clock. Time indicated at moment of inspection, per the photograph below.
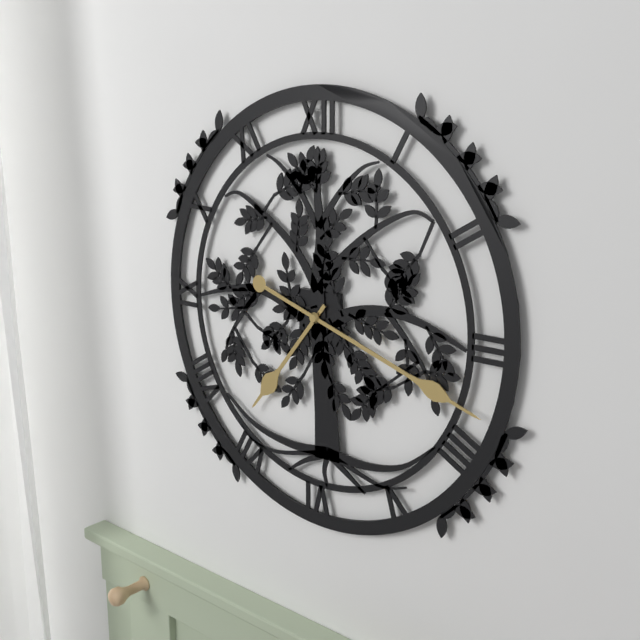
7:18
